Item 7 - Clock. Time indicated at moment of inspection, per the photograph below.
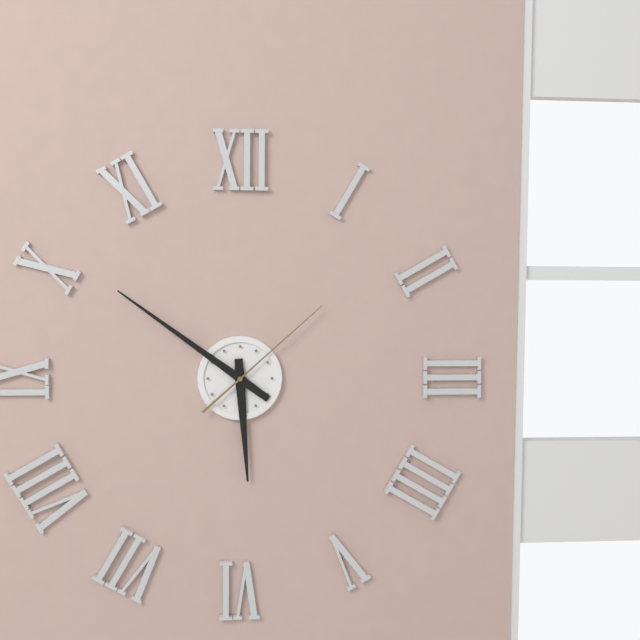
5:51:08
